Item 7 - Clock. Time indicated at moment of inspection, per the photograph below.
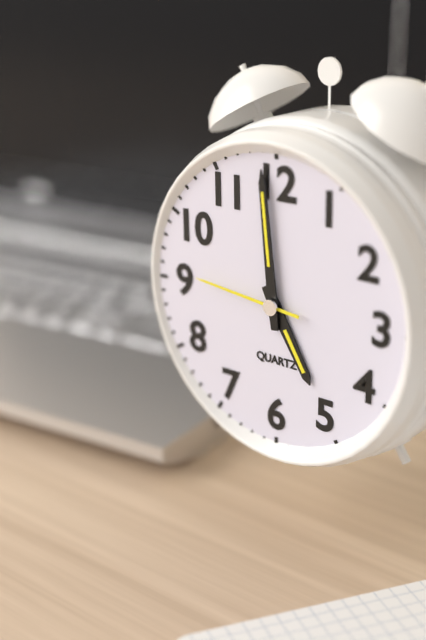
4:59:46
